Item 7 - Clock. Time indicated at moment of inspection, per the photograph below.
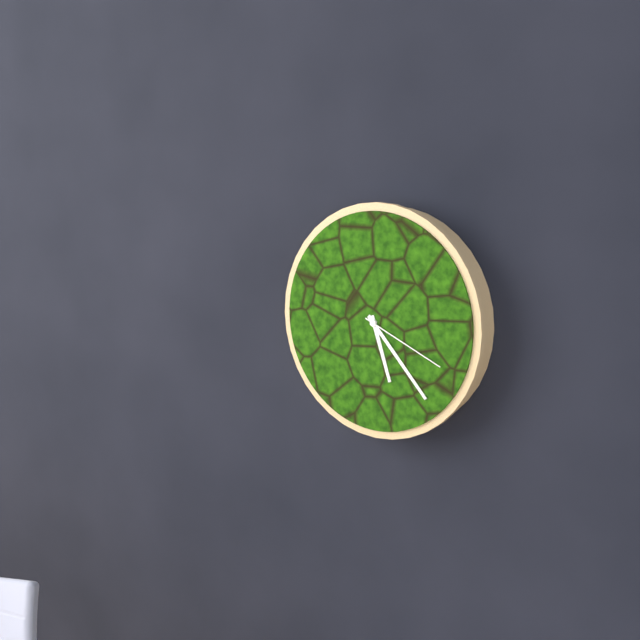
5:23:19
